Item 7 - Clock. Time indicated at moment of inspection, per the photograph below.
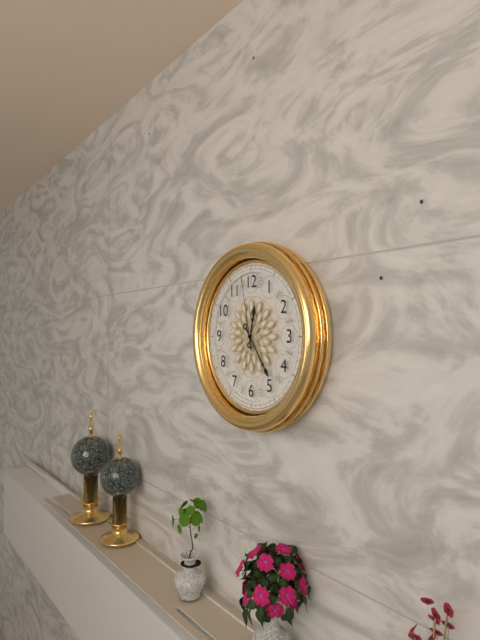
12:24:58
